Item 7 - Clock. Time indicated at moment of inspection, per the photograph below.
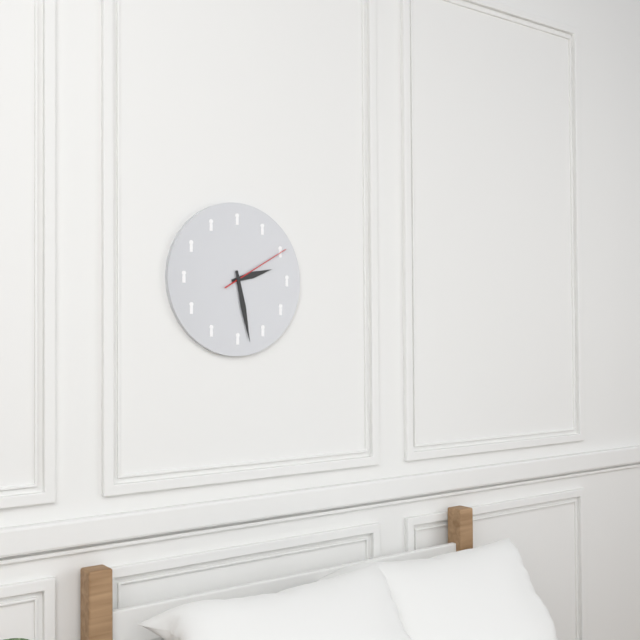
2:28:10
